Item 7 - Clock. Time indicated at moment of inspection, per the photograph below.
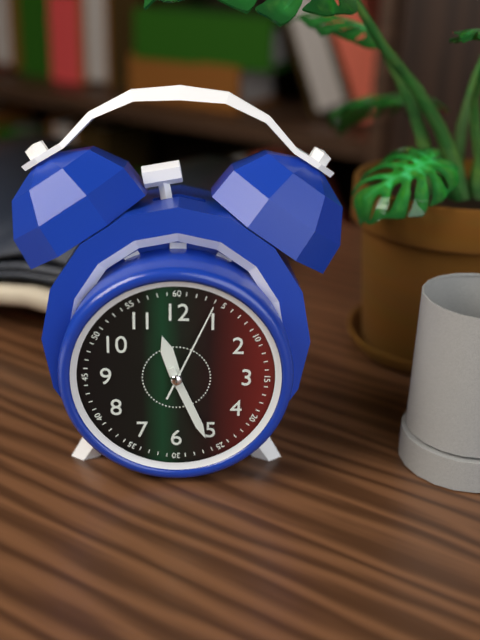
11:26:04
